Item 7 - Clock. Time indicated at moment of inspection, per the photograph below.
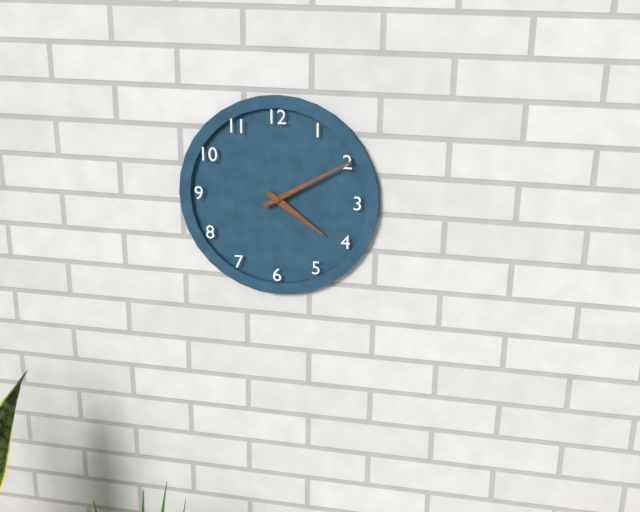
4:10
